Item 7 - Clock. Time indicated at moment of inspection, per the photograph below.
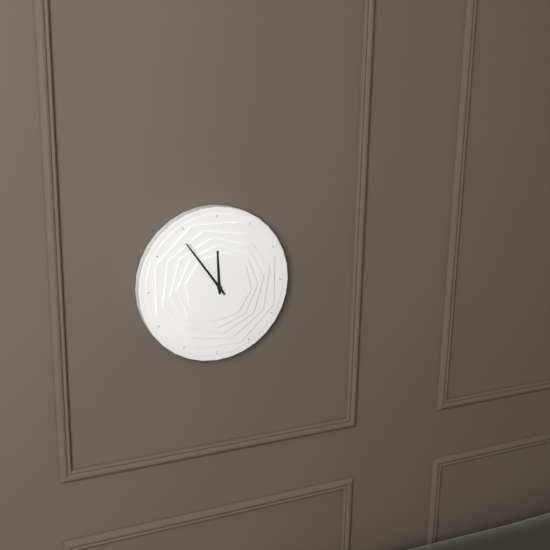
11:54
